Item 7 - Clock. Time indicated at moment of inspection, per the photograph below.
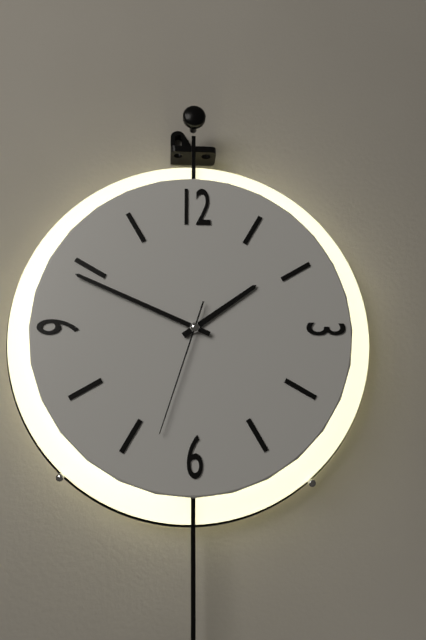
1:49:33
